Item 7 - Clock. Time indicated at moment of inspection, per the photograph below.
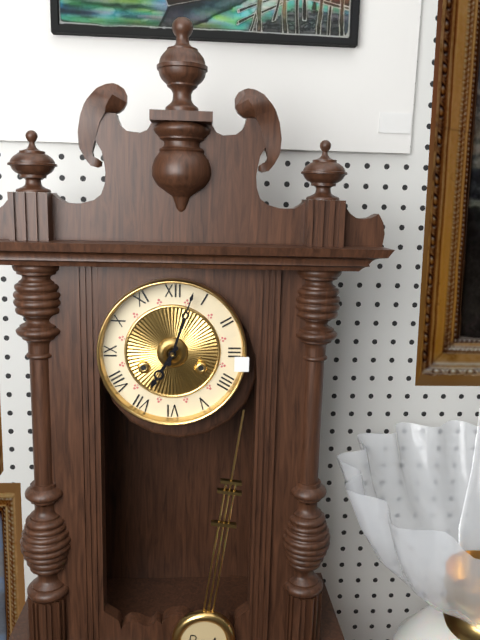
7:03
